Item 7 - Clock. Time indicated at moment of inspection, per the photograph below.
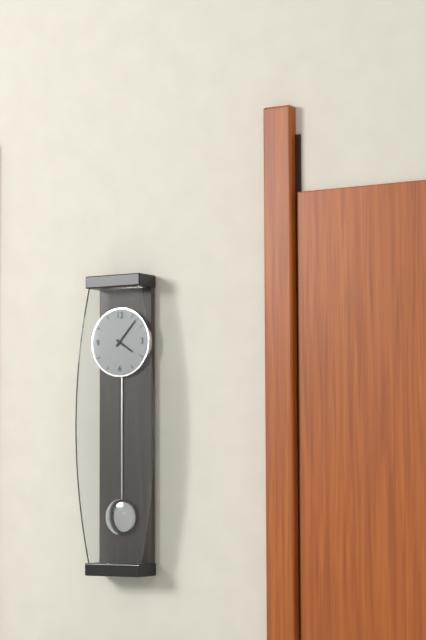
4:07
